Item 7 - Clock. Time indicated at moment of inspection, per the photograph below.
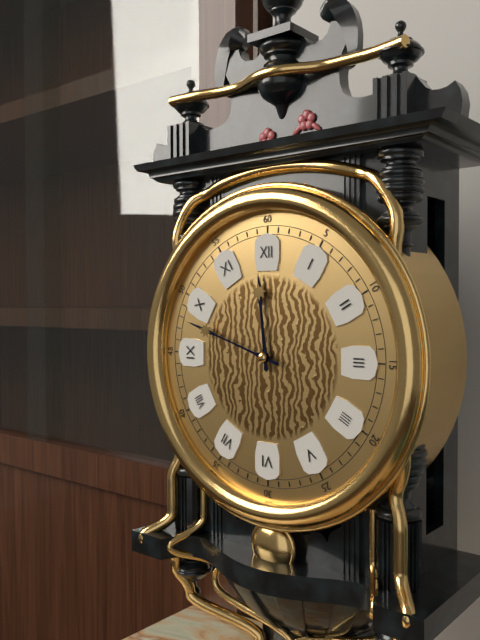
11:48
